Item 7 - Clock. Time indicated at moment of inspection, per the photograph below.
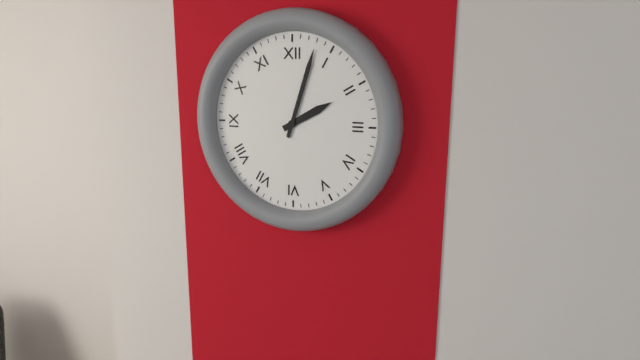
2:03
